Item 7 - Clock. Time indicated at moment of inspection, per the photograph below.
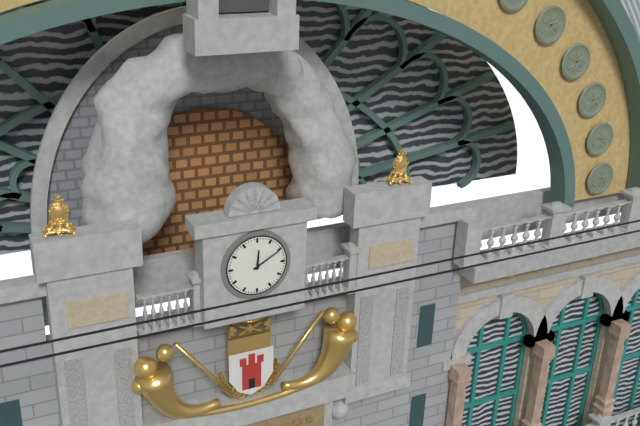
12:10
